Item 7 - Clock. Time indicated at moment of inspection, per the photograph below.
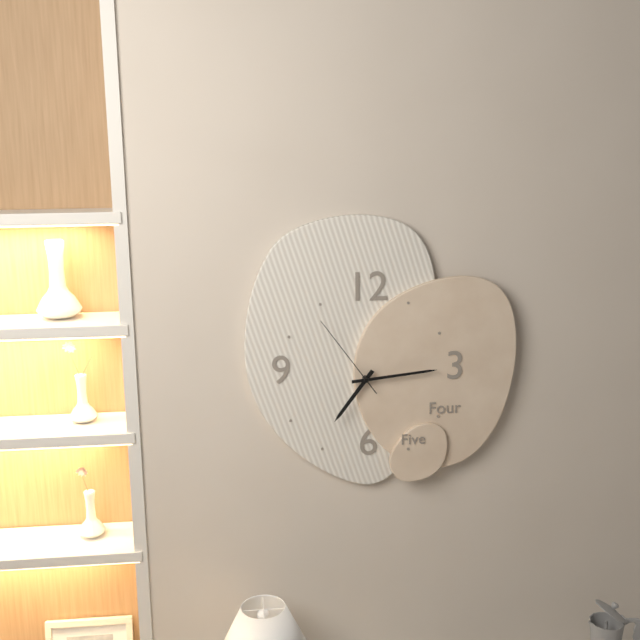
7:14:54
